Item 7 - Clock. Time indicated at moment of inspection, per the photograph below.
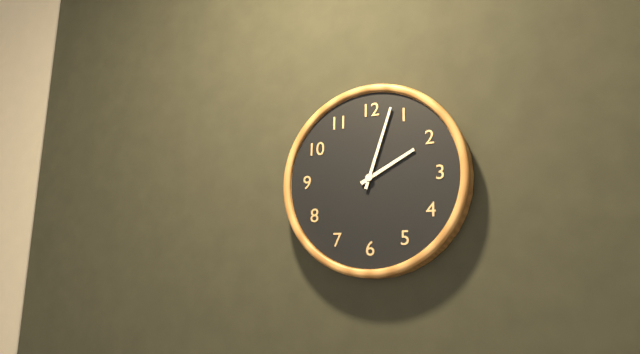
2:03
